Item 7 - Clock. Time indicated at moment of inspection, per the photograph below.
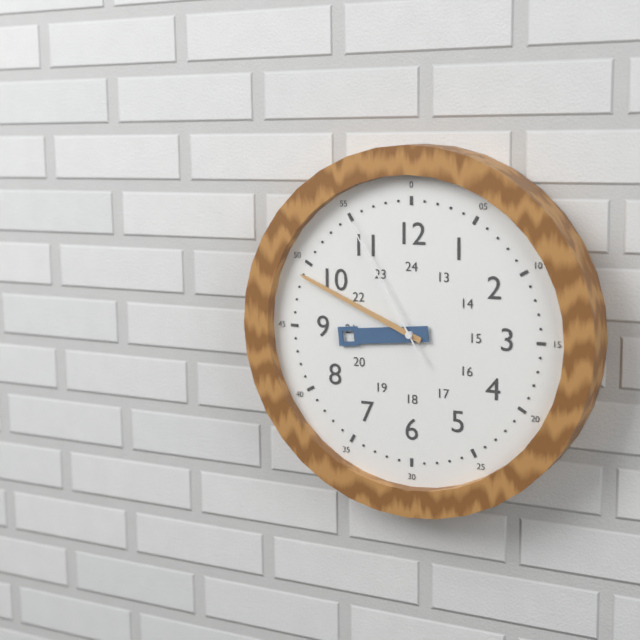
8:49:55
